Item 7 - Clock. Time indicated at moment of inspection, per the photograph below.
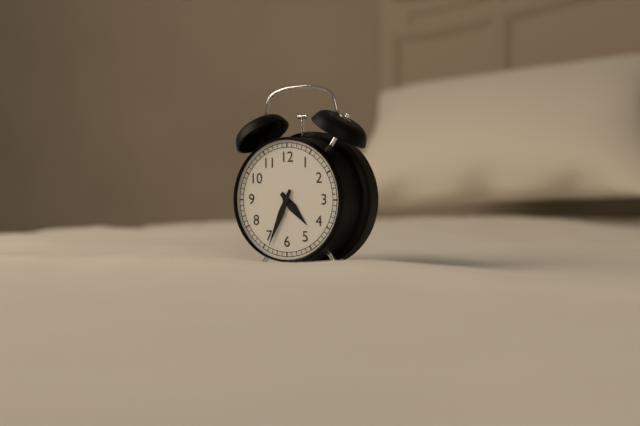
4:34
